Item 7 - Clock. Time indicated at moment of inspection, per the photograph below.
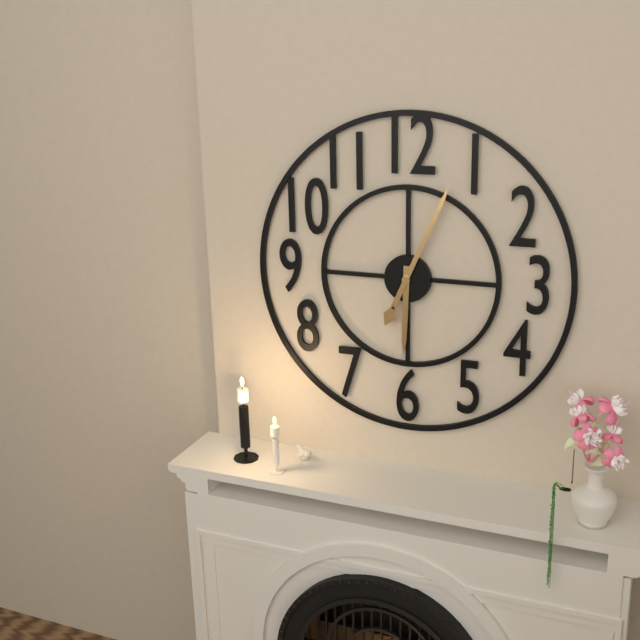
6:04
